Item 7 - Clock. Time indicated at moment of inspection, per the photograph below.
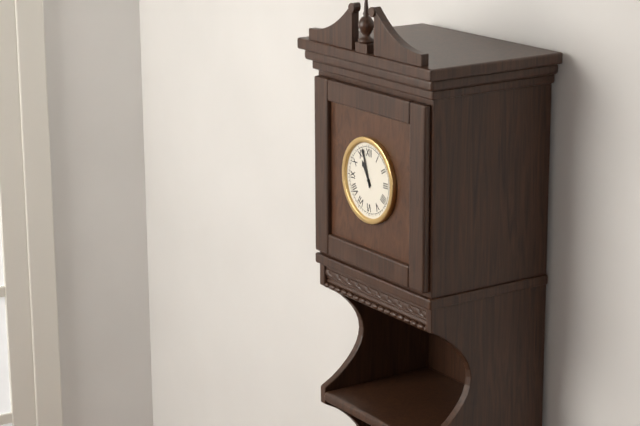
10:57
